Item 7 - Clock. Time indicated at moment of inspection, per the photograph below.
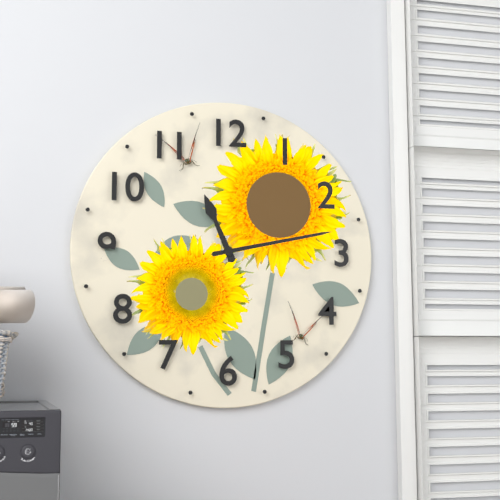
11:13
